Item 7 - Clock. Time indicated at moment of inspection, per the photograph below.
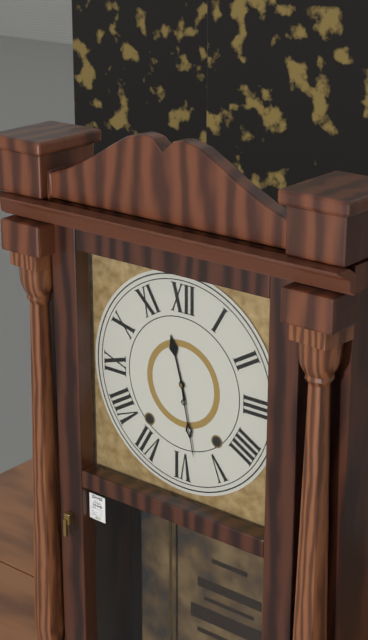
11:28
